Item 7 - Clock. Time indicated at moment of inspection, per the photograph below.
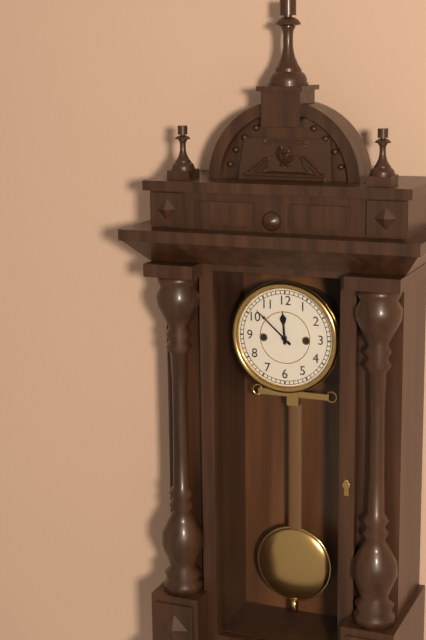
11:52
